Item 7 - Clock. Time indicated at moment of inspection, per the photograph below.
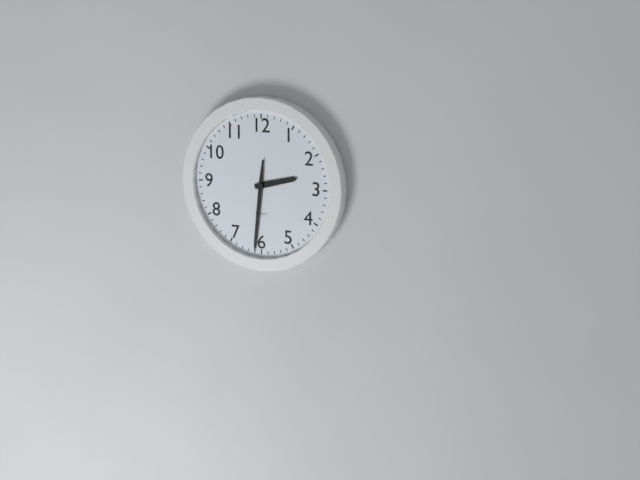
2:31
